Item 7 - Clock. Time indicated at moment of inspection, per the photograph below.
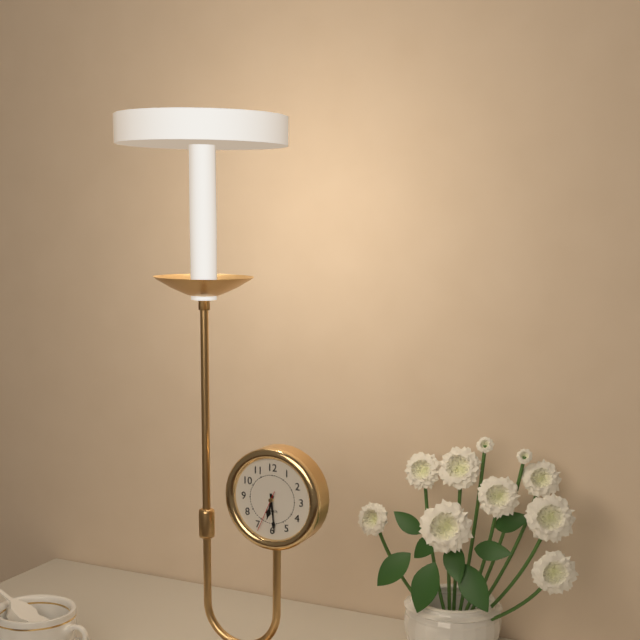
6:29
